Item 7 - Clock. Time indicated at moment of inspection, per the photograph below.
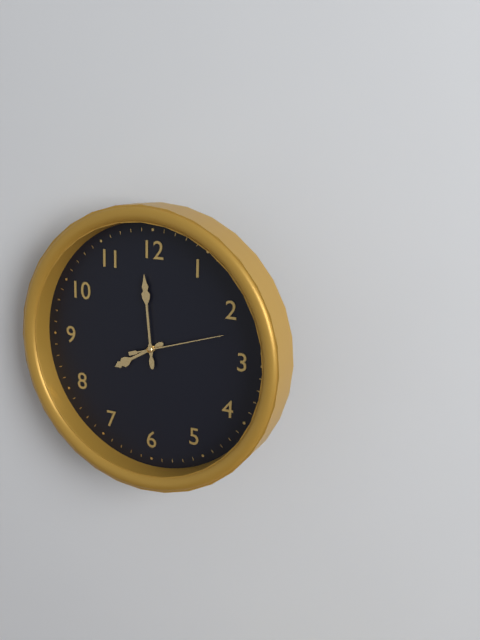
7:59:12
